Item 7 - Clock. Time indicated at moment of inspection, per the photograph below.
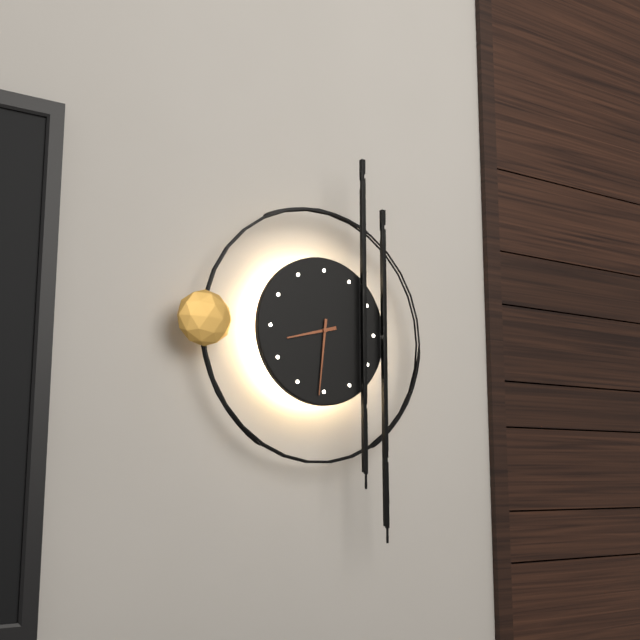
8:31
